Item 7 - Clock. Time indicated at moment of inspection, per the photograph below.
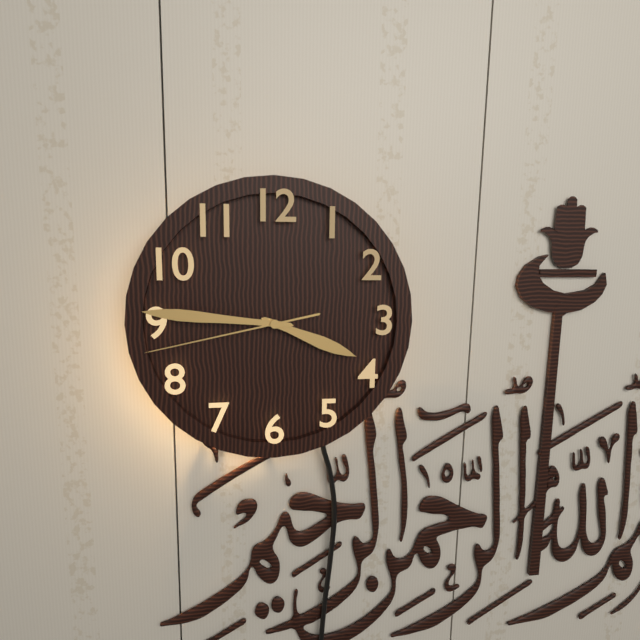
3:46:43
